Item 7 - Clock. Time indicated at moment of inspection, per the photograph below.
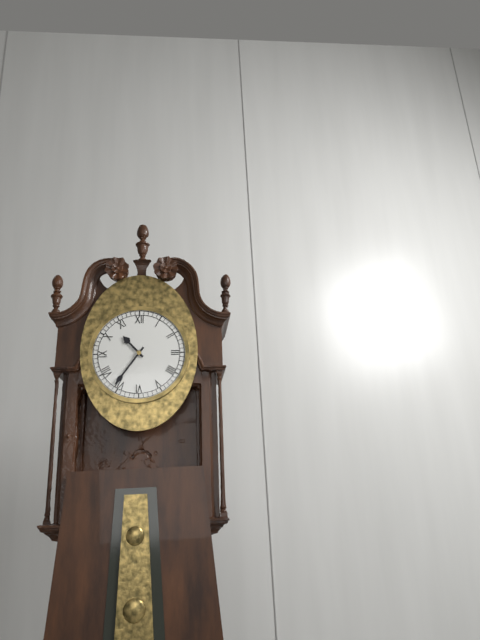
10:36
